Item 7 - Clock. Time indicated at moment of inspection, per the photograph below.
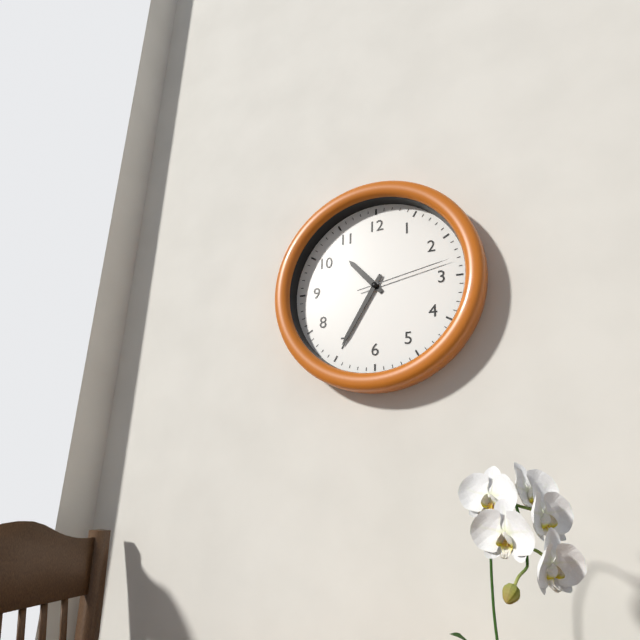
10:35:13
